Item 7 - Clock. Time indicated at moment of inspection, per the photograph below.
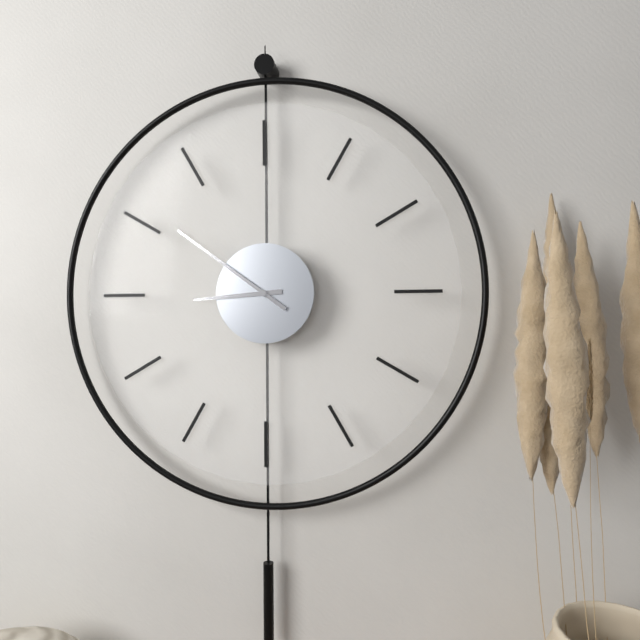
8:51
